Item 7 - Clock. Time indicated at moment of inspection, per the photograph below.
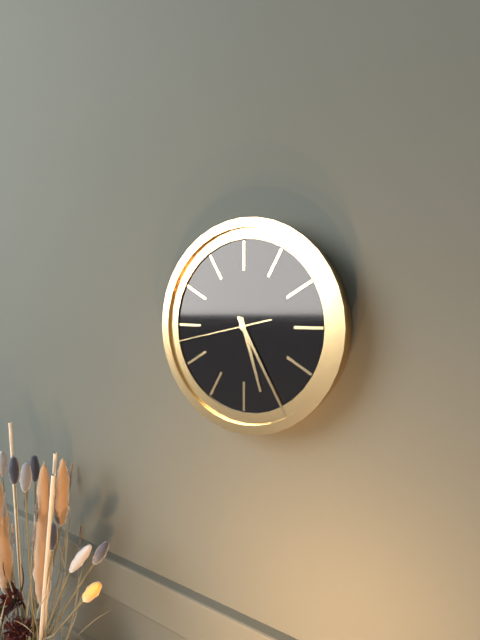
5:25:43
